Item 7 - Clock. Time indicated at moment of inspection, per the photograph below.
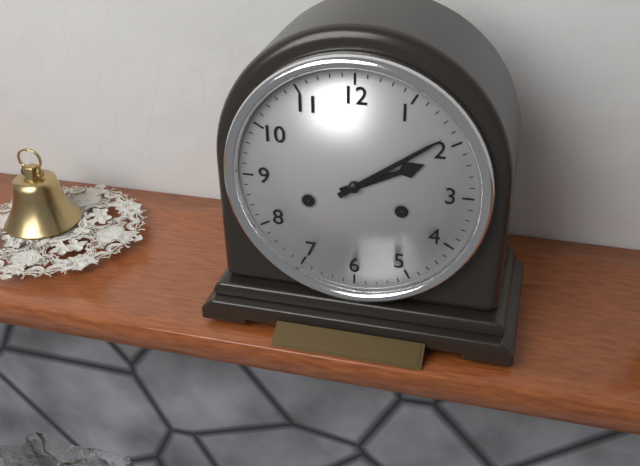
2:09
